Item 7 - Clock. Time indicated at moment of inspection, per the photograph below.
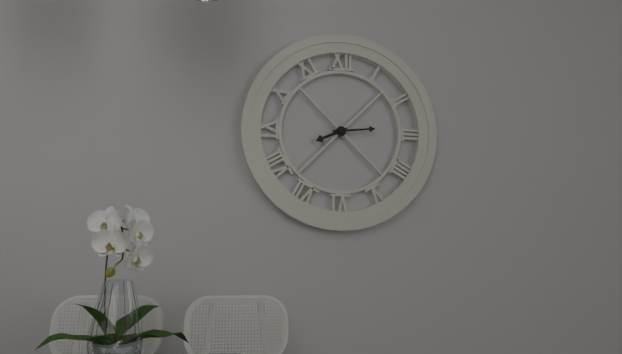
8:14
